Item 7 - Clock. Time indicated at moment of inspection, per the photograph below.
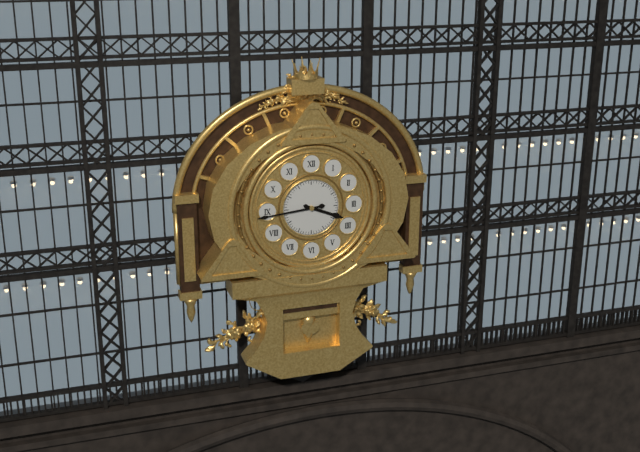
3:44
